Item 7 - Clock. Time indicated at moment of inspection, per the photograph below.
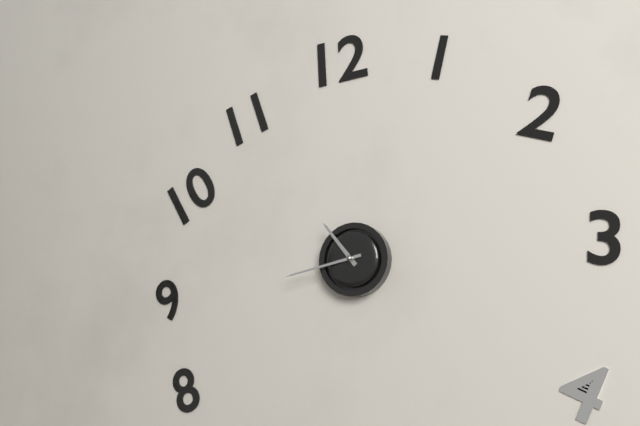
10:43
